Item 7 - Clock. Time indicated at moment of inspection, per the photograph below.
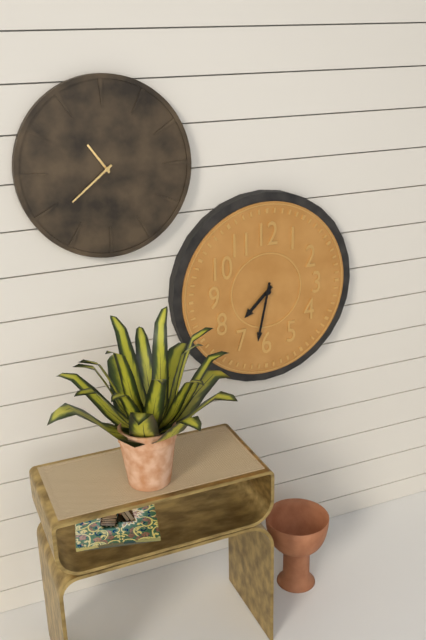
7:32
